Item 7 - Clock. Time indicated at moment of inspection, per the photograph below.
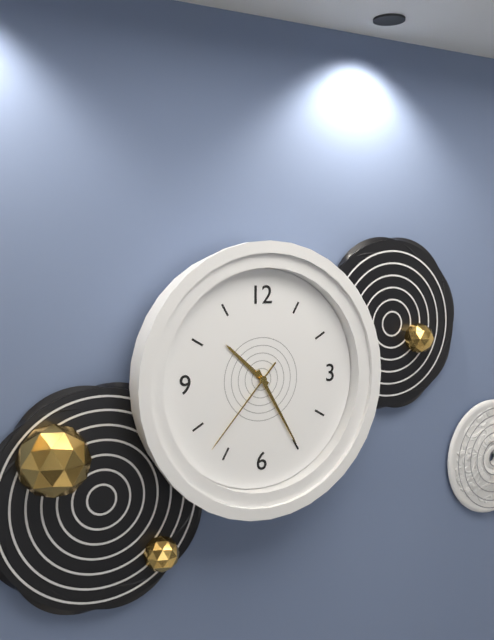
10:25:37
